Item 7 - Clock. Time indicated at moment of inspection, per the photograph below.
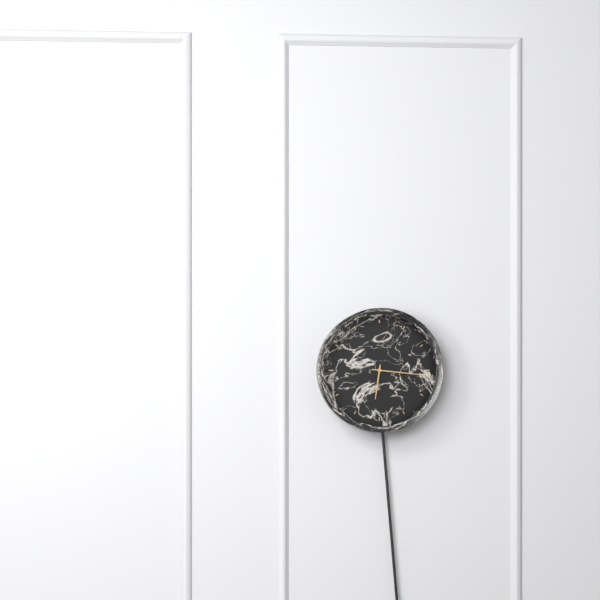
6:16
